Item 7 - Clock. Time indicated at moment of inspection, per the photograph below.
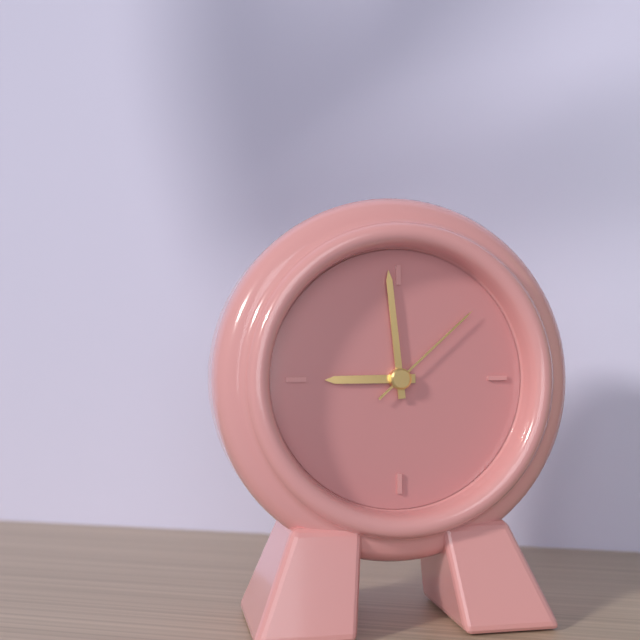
8:59:08
